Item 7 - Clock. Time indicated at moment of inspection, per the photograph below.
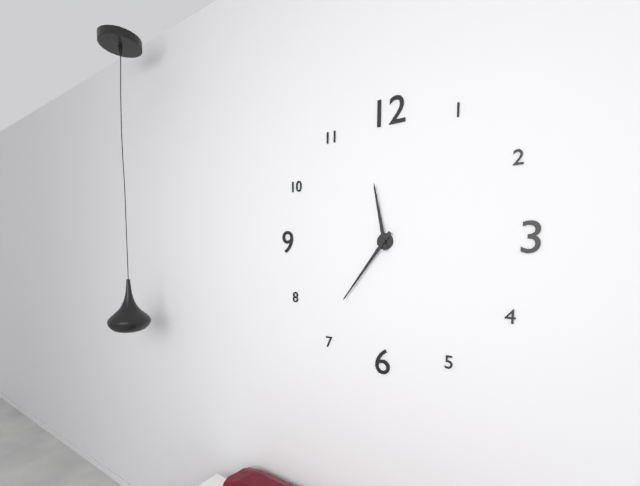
11:36
